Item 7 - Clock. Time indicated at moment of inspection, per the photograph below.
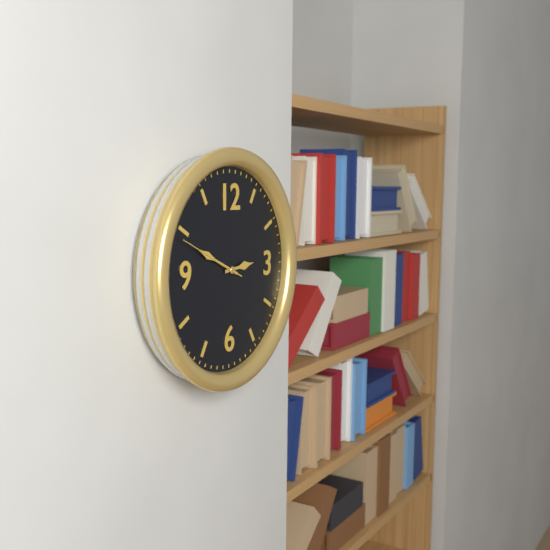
2:49
